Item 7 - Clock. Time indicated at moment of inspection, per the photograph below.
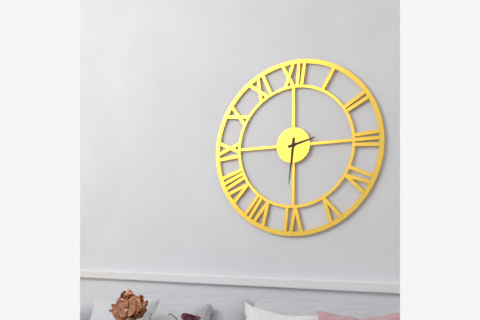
2:31
